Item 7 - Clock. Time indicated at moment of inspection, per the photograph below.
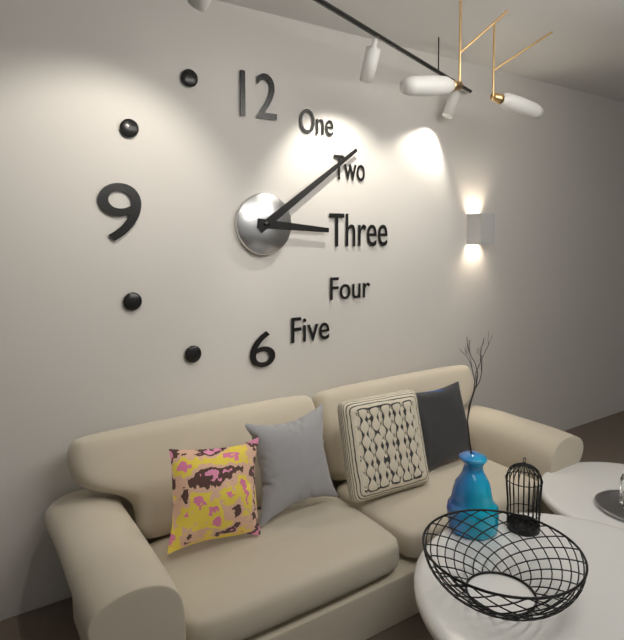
3:09
